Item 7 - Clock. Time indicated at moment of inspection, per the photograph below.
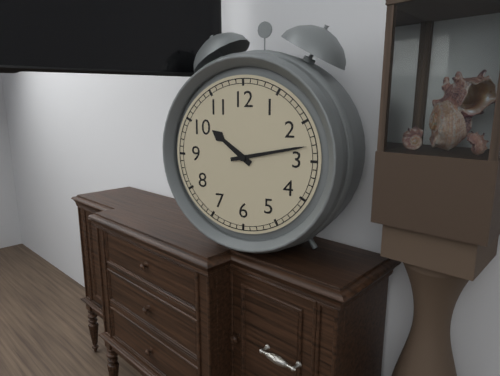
10:13
